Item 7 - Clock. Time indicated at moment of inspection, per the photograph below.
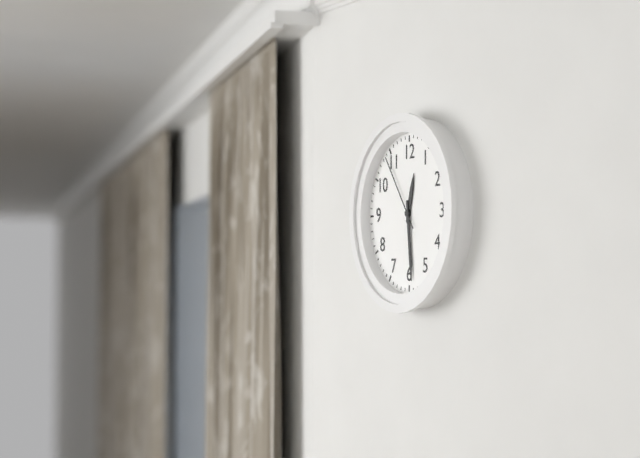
12:29:54
